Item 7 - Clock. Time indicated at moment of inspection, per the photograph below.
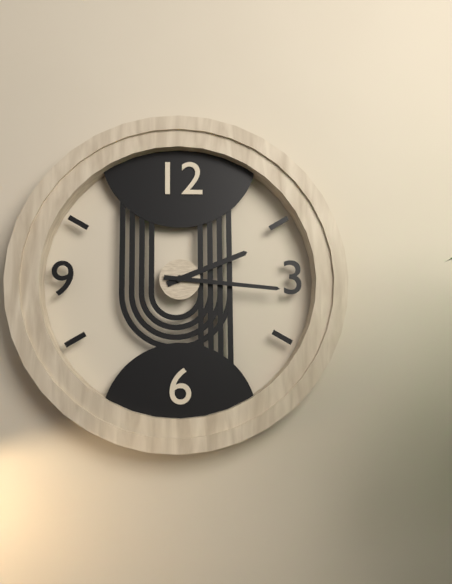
2:16
